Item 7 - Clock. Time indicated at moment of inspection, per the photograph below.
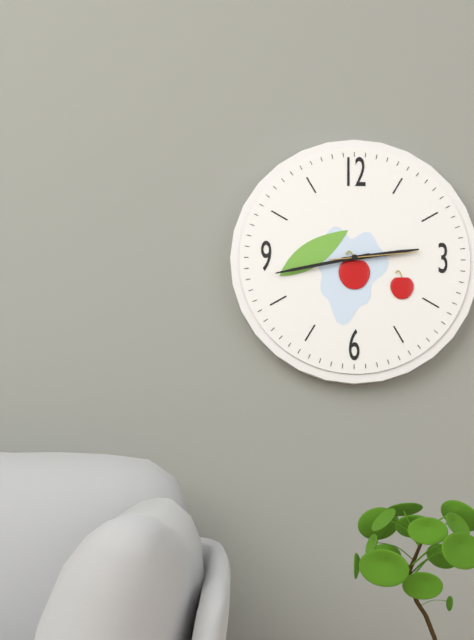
2:43:14
